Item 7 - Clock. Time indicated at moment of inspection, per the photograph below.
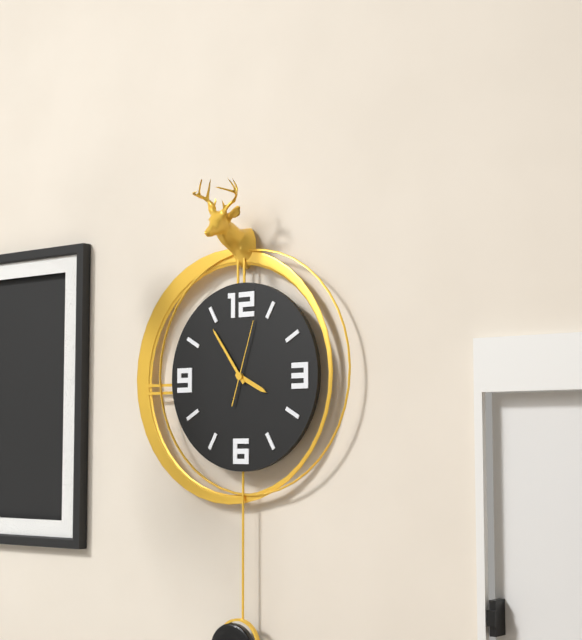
3:54:03
